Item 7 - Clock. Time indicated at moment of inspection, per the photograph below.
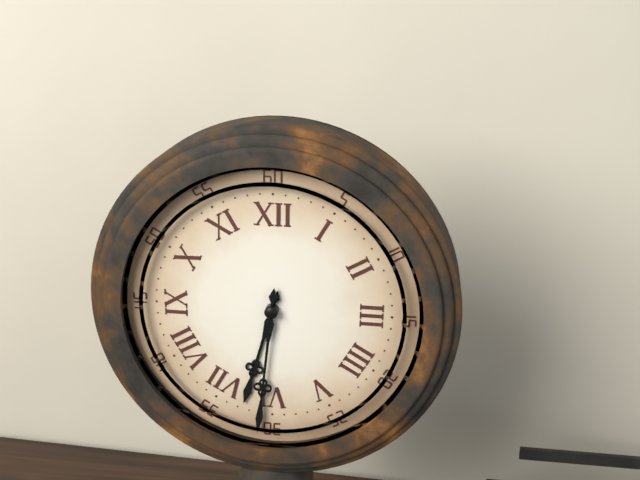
6:31
